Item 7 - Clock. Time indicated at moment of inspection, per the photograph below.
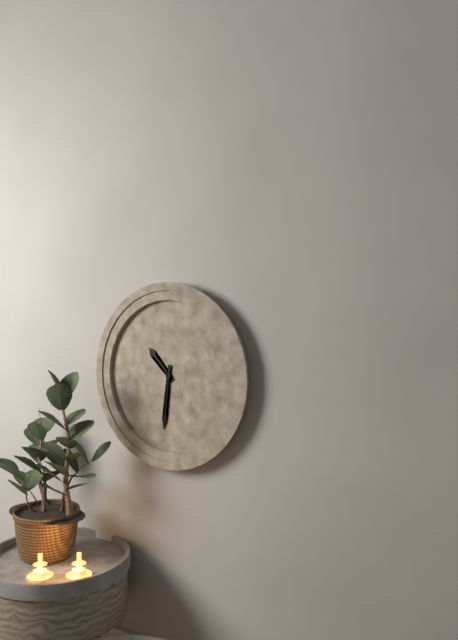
10:31
